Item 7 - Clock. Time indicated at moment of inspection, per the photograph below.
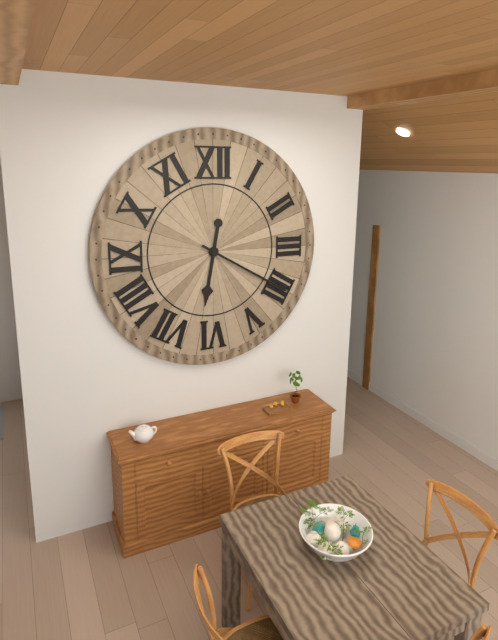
6:20
